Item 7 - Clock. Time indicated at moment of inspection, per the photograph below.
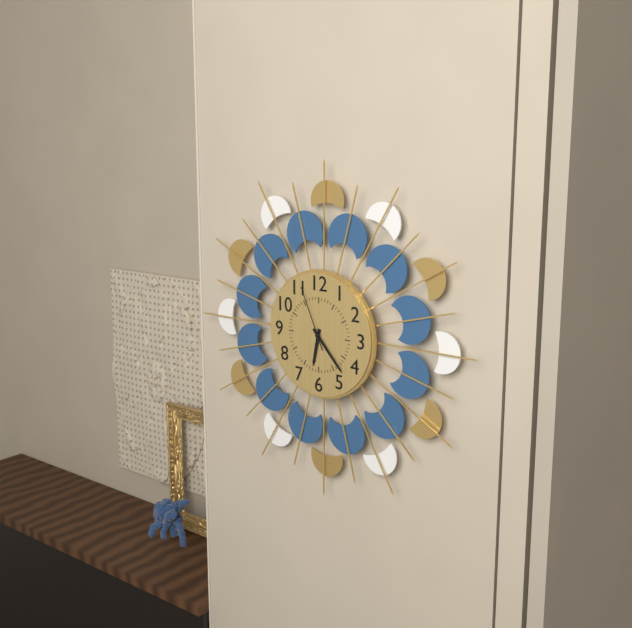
6:23:56
